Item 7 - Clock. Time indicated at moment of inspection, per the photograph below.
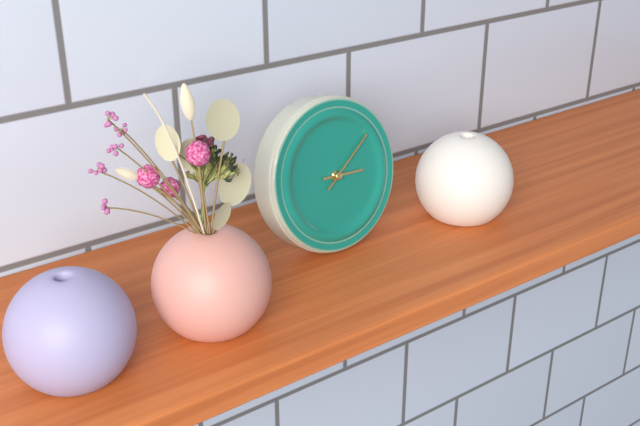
3:09
